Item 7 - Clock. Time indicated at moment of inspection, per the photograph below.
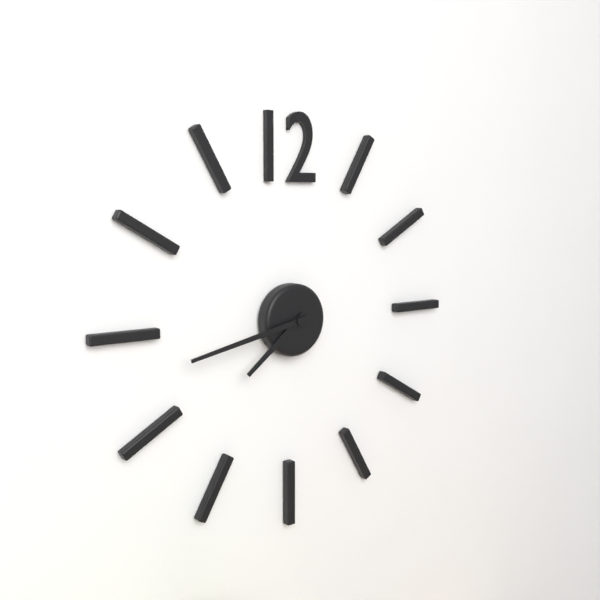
7:43
